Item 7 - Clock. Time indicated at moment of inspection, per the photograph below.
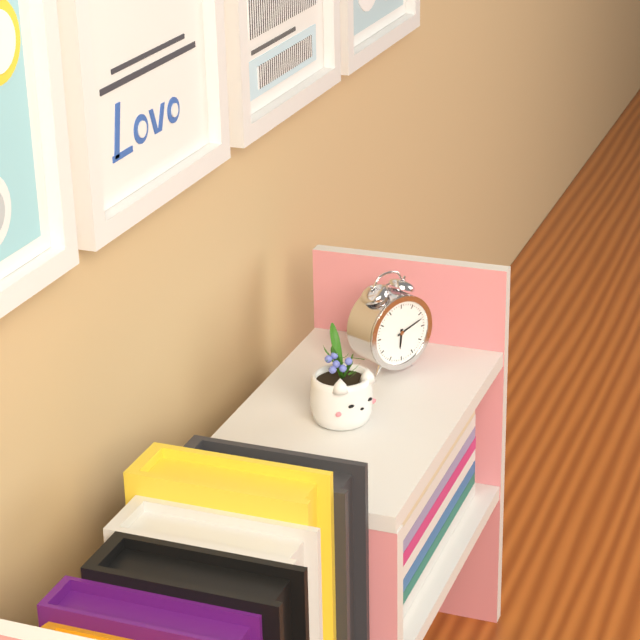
6:12
